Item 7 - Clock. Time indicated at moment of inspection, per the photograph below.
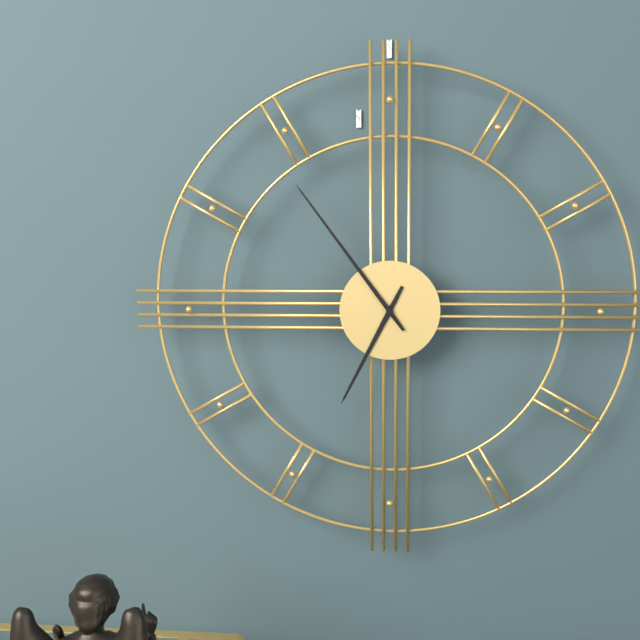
6:54
